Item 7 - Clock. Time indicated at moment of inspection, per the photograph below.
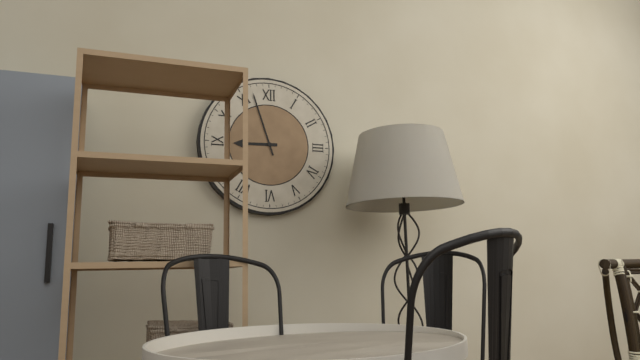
8:57
